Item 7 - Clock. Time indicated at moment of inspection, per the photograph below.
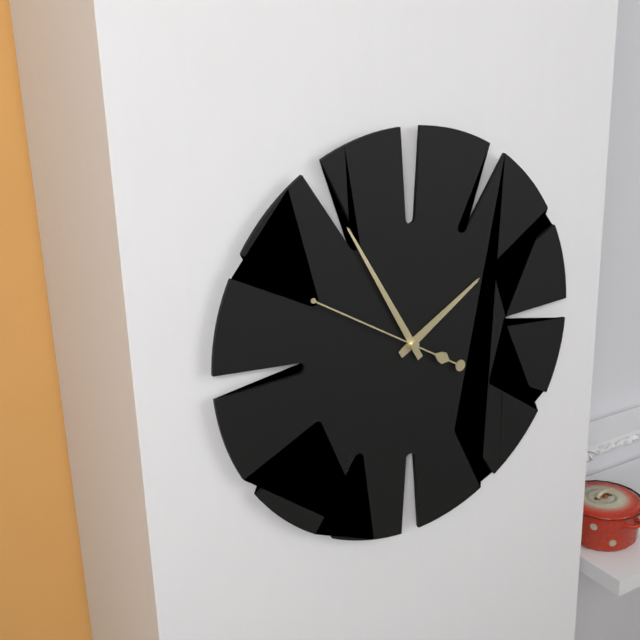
1:55:50
